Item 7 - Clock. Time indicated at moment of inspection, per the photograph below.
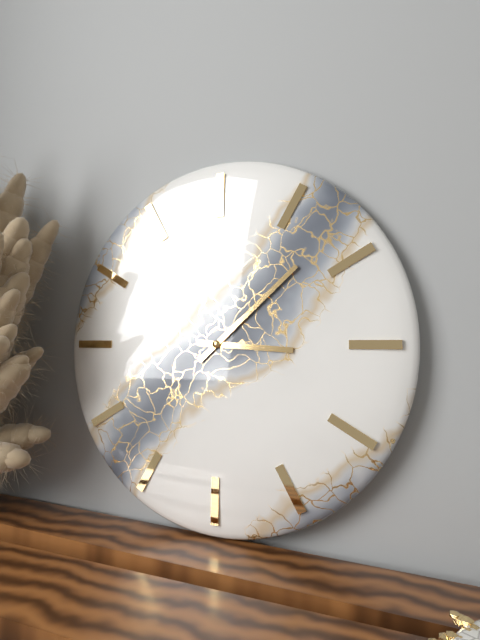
3:08
